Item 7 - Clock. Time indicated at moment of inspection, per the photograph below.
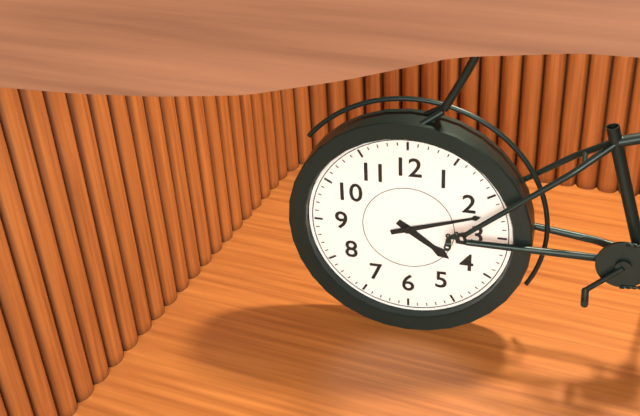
4:12
